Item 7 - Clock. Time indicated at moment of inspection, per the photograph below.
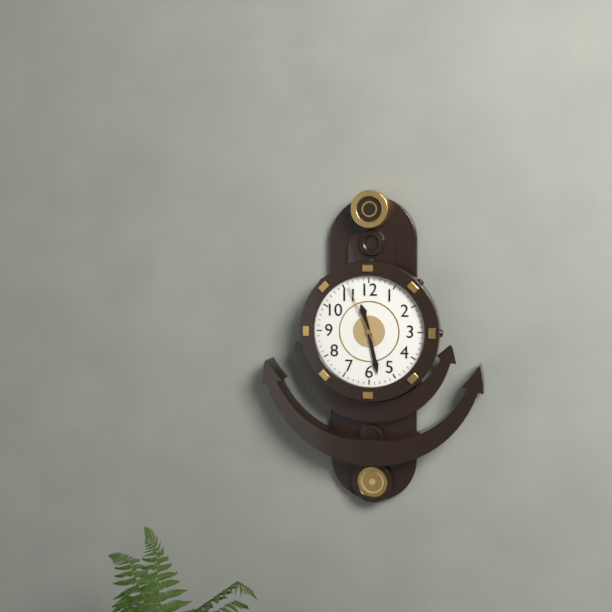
11:28:56
